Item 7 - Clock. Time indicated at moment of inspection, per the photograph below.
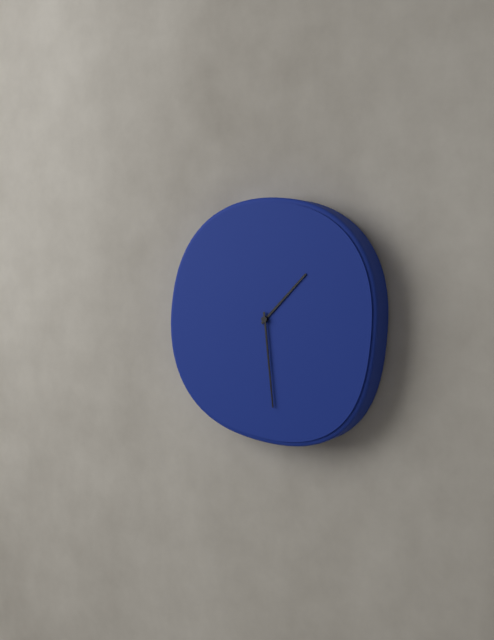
1:29
